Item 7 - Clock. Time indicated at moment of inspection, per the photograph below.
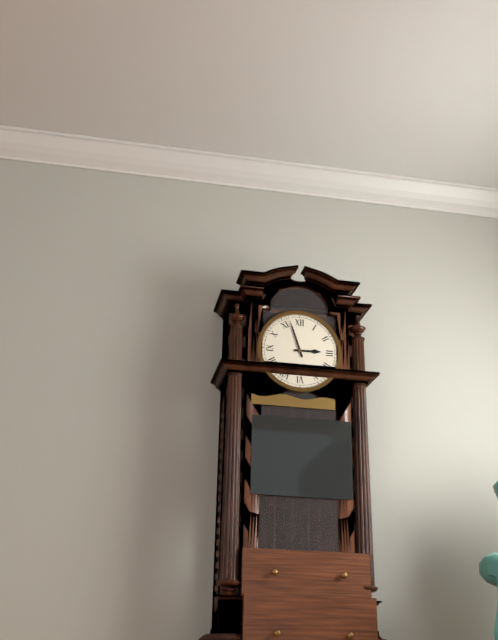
2:57
